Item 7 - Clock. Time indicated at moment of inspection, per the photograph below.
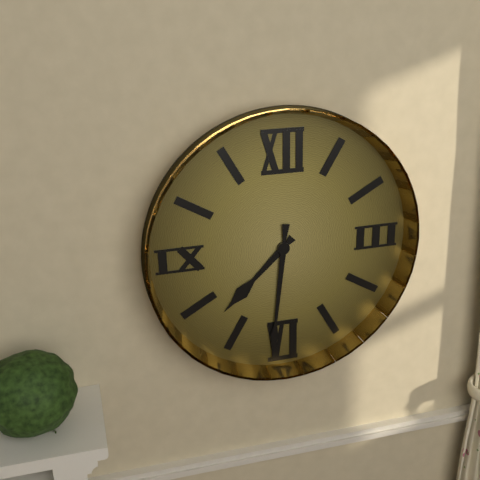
7:31
